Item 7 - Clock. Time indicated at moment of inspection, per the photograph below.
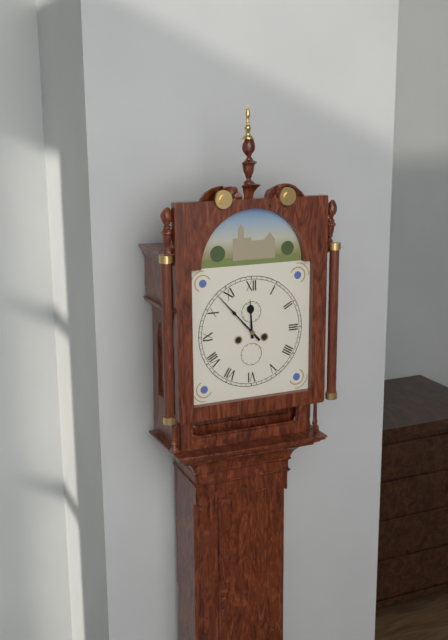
11:53
